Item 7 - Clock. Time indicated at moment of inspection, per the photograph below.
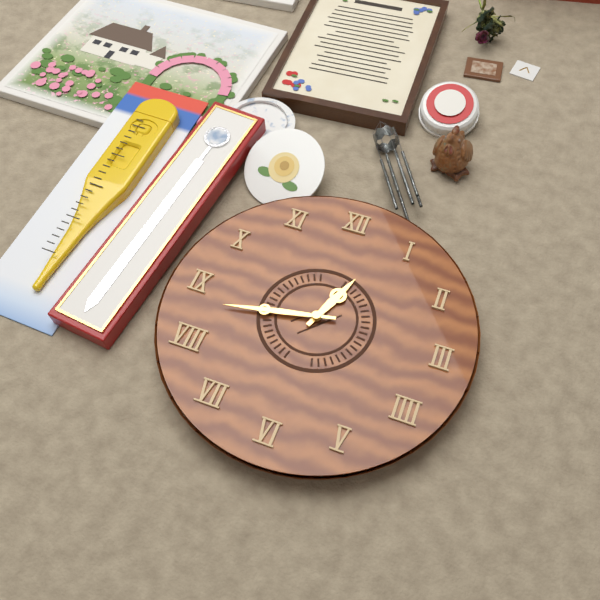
12:43
